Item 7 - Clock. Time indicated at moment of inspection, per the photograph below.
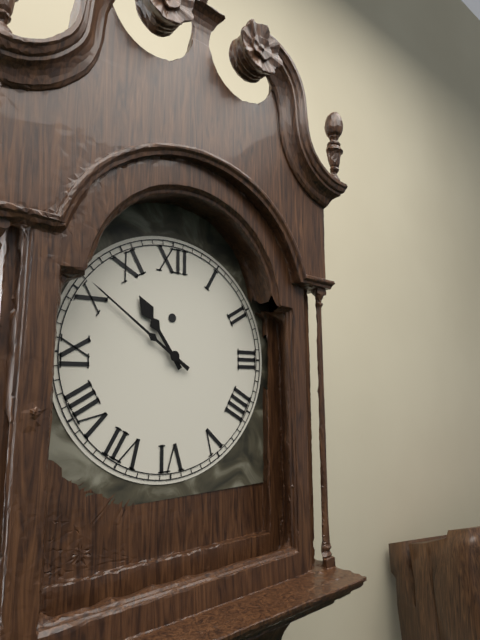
10:51
